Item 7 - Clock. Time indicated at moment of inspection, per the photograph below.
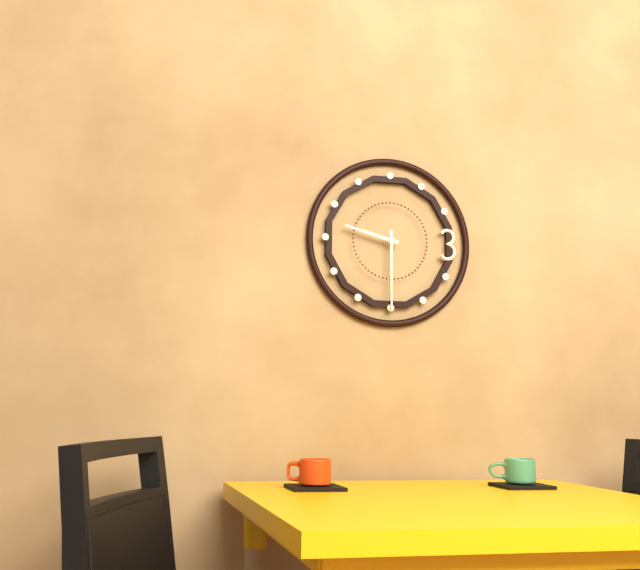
9:30
